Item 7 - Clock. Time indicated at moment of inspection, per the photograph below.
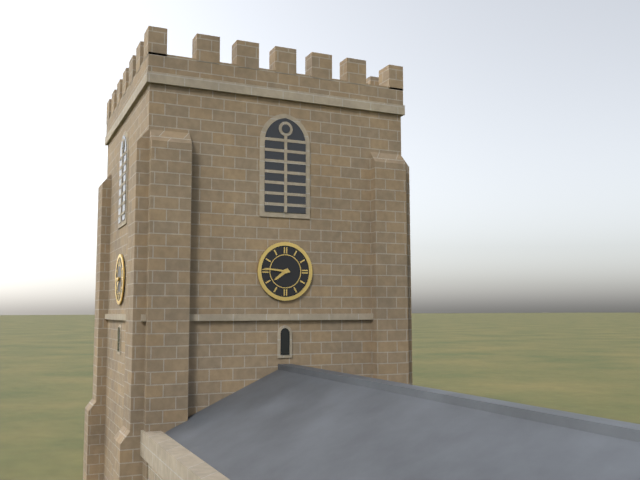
7:46
